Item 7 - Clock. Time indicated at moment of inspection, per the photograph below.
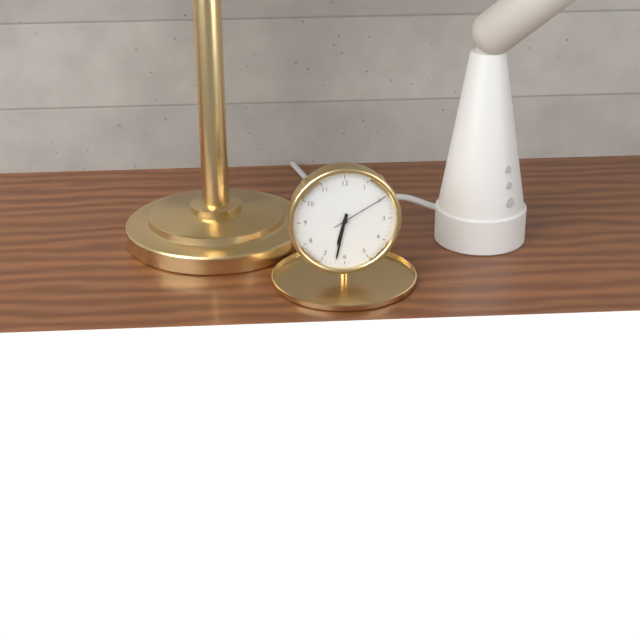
6:32:10
